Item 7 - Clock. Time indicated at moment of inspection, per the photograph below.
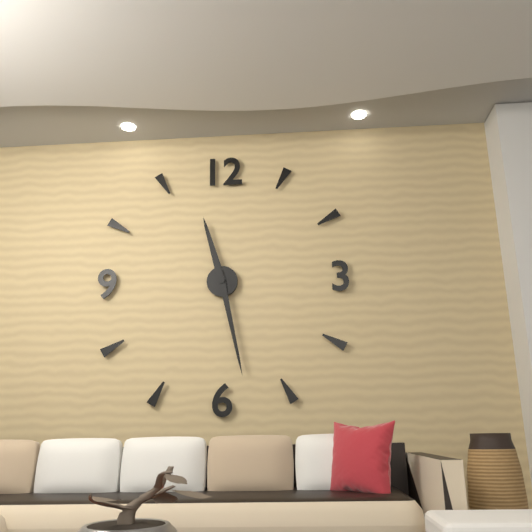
11:28
